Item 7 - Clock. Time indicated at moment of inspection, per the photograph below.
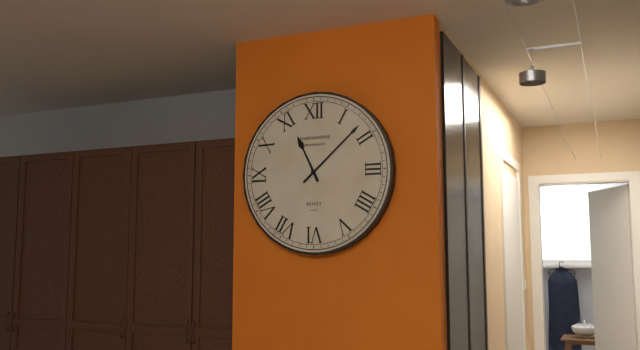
11:08
